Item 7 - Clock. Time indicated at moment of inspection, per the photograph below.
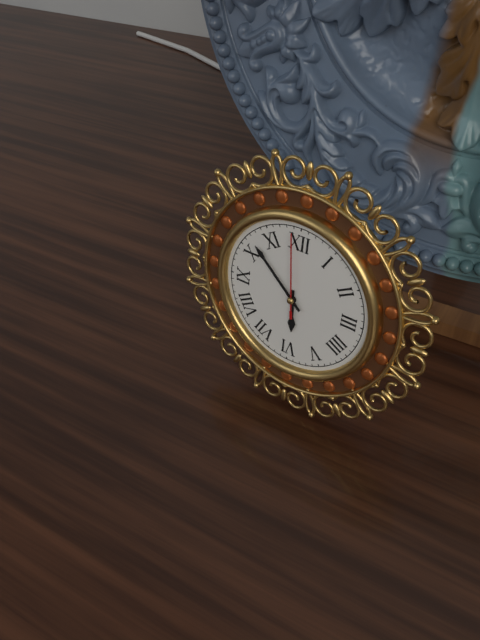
5:52:59
